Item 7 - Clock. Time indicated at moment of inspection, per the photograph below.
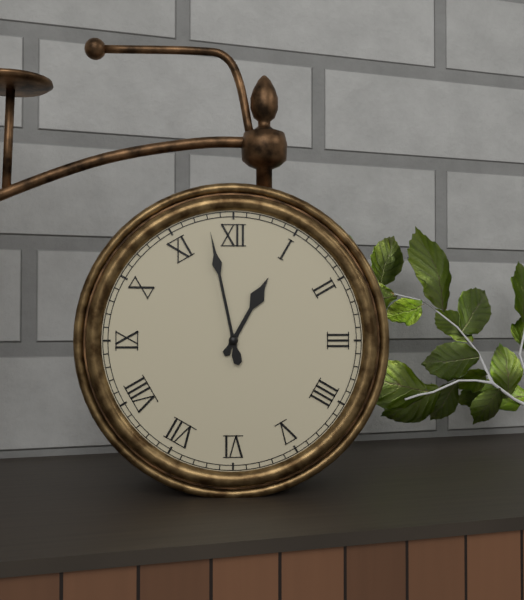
12:58
